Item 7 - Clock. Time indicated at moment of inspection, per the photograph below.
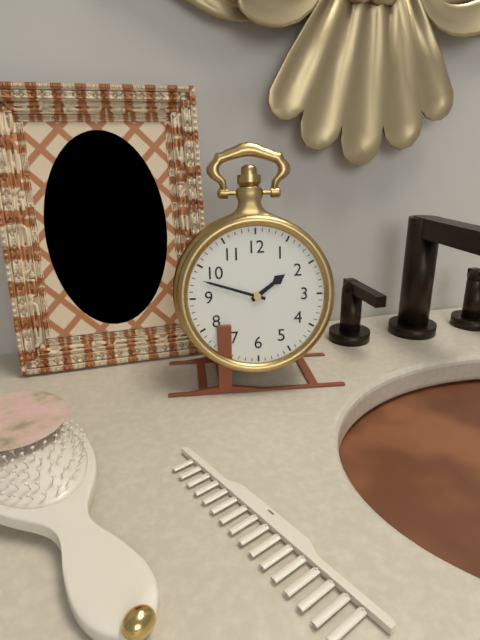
1:48
